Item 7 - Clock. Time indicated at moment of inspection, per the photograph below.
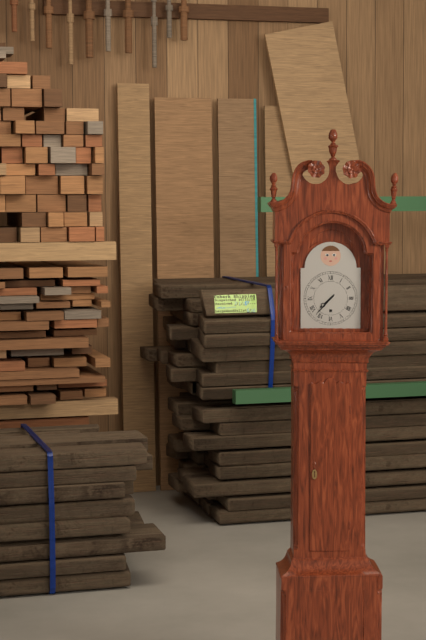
7:37
